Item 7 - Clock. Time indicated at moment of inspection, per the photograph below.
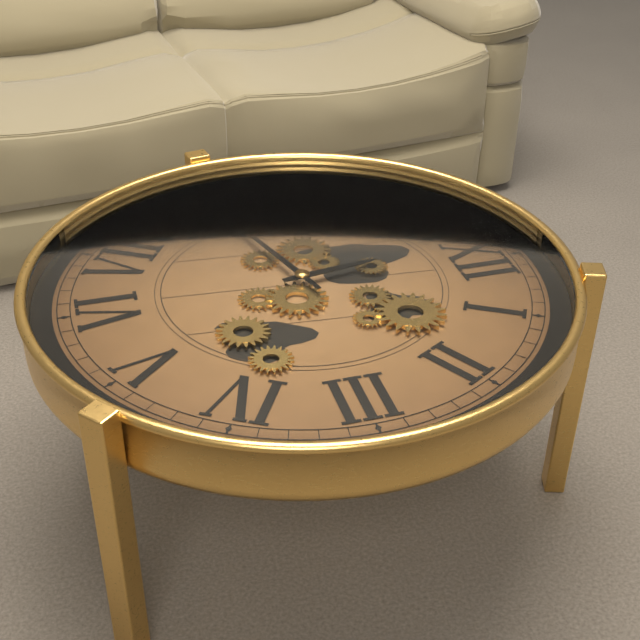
11:42
